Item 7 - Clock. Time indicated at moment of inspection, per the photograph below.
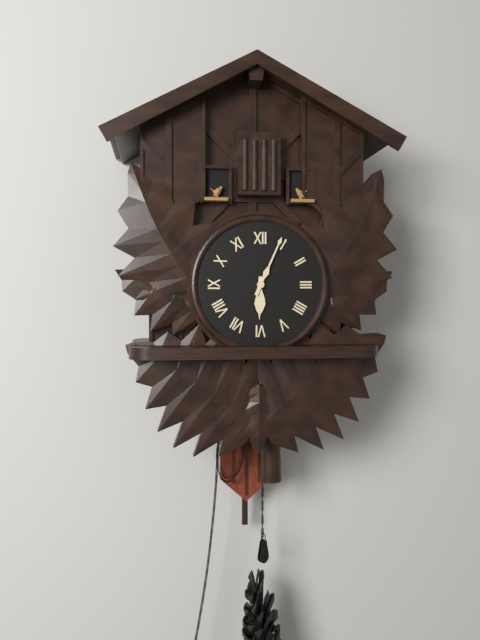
6:04
